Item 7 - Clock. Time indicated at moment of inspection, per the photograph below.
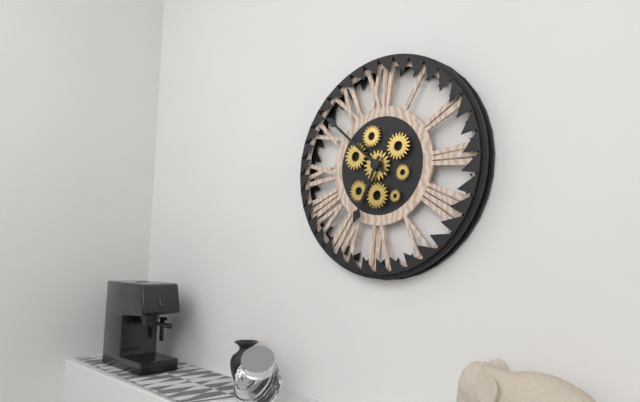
6:52
